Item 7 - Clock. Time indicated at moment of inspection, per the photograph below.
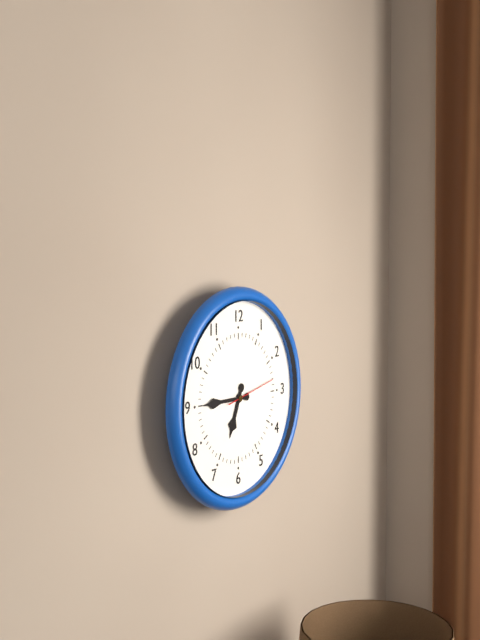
6:45
